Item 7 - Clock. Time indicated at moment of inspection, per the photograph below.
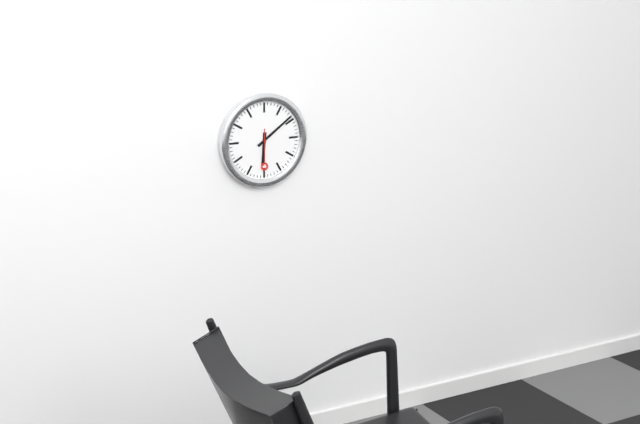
6:09
